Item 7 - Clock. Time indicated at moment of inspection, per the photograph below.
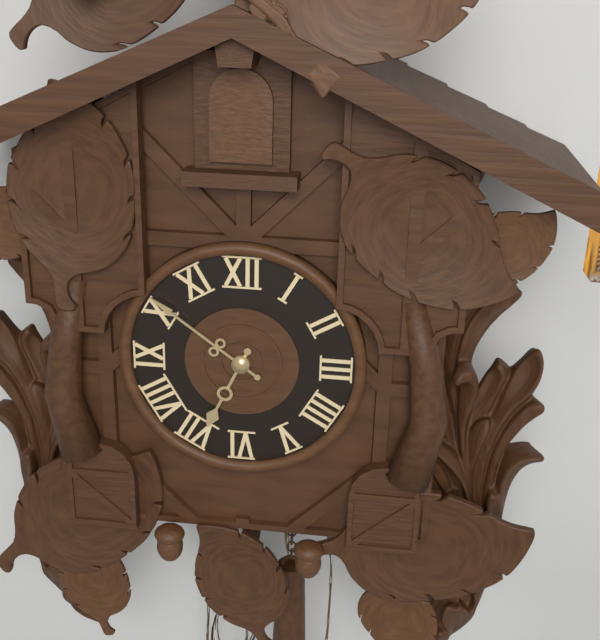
6:51
